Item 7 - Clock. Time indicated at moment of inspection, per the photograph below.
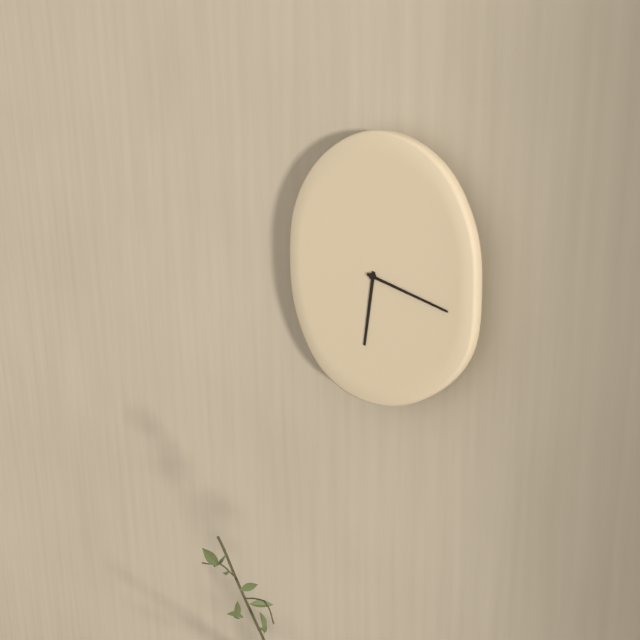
6:17
